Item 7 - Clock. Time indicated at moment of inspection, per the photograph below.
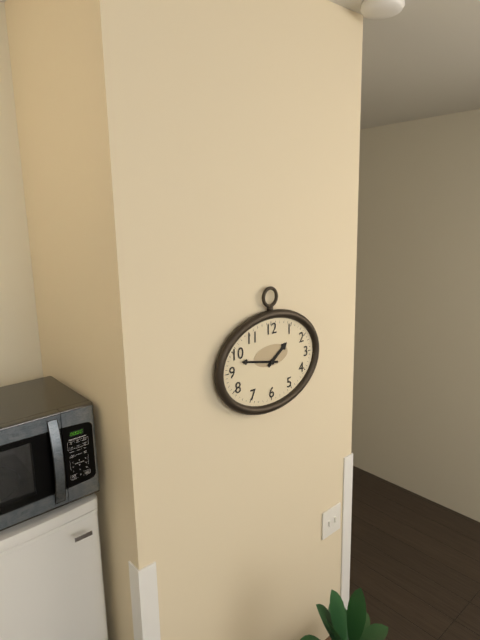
1:47
